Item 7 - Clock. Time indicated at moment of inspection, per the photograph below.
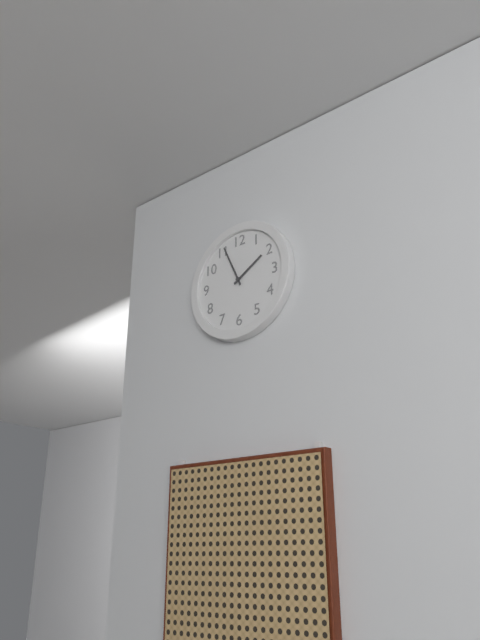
1:56
